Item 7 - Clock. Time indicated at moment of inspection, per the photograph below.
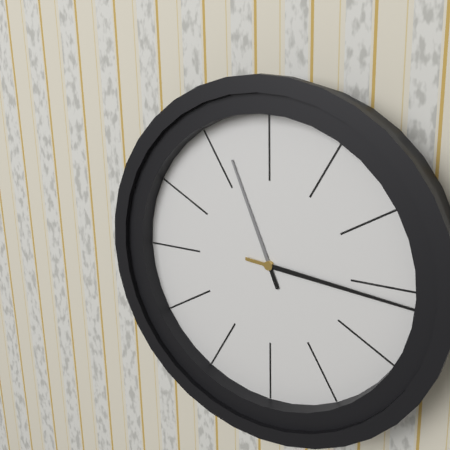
11:16
